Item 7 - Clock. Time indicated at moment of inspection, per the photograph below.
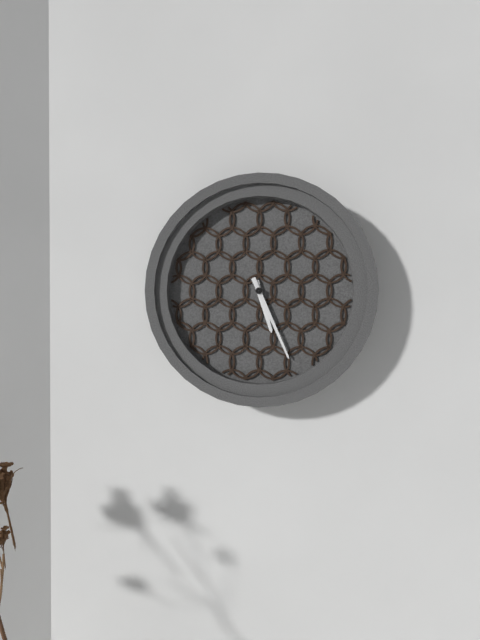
5:26
